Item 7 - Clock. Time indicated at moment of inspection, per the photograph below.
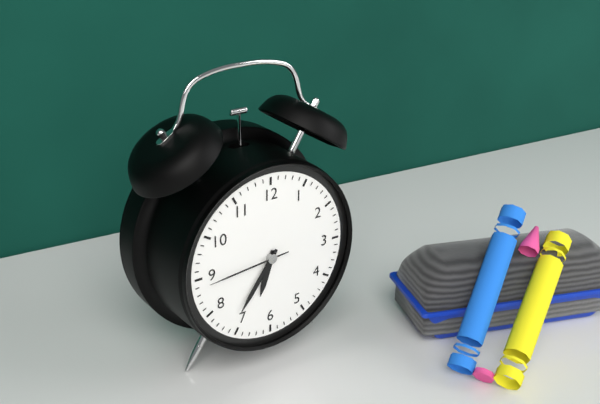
6:36:44
